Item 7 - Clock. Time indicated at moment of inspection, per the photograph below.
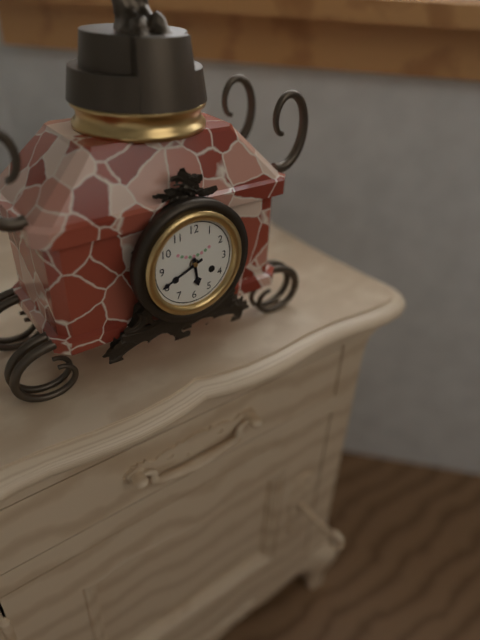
5:41
